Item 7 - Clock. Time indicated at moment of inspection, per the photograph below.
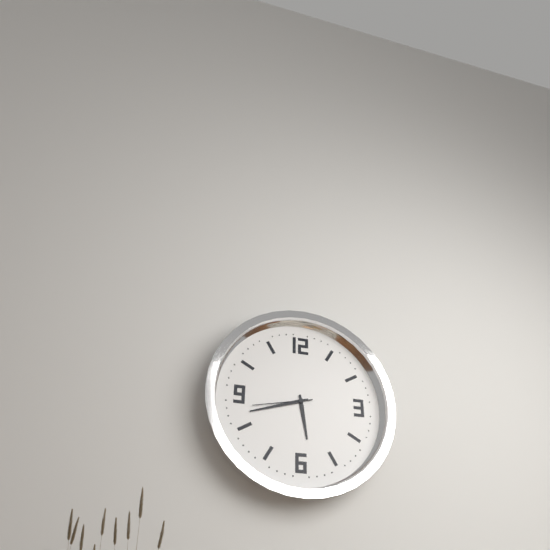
5:42:43
